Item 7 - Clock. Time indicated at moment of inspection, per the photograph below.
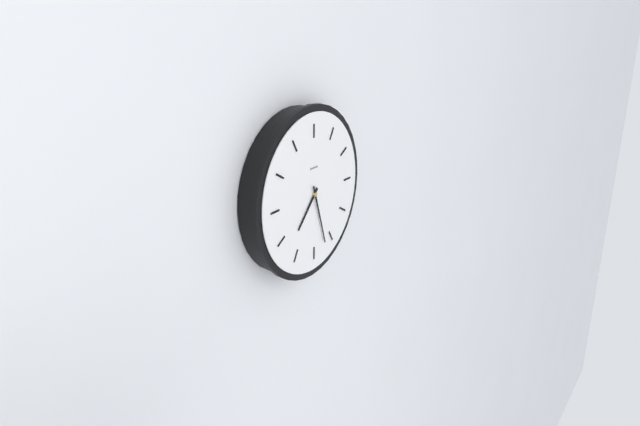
7:27
